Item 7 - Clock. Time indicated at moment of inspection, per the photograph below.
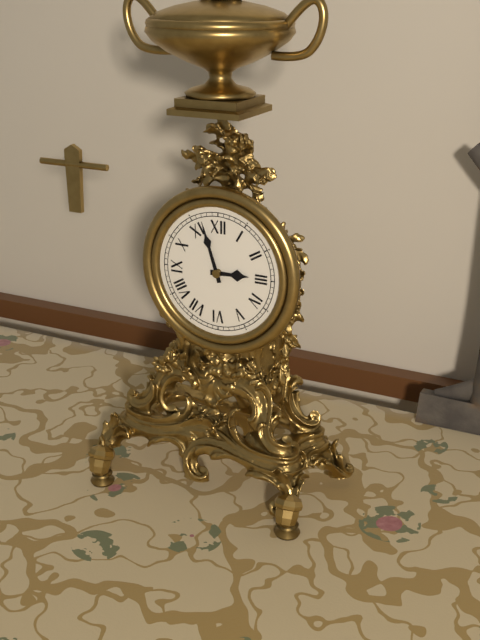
2:57
